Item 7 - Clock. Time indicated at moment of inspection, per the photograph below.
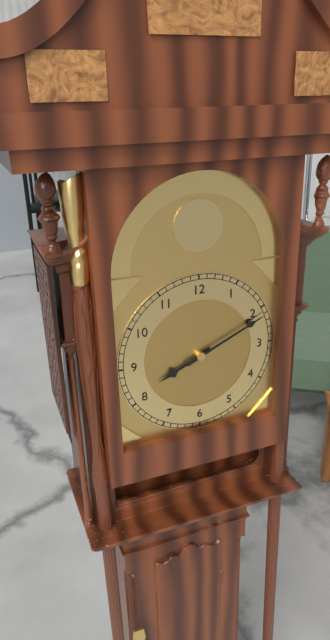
8:11
